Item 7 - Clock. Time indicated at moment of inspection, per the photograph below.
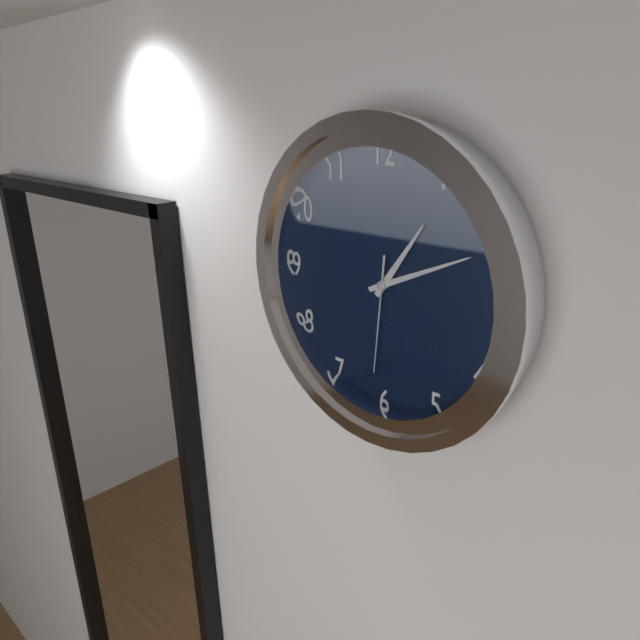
1:11:31
